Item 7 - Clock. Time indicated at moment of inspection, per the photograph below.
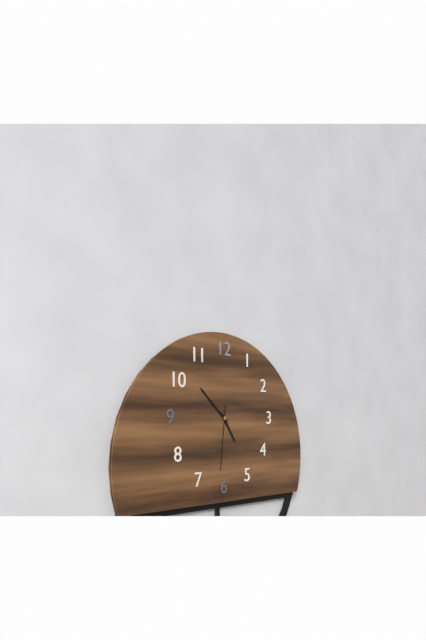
4:52:31
